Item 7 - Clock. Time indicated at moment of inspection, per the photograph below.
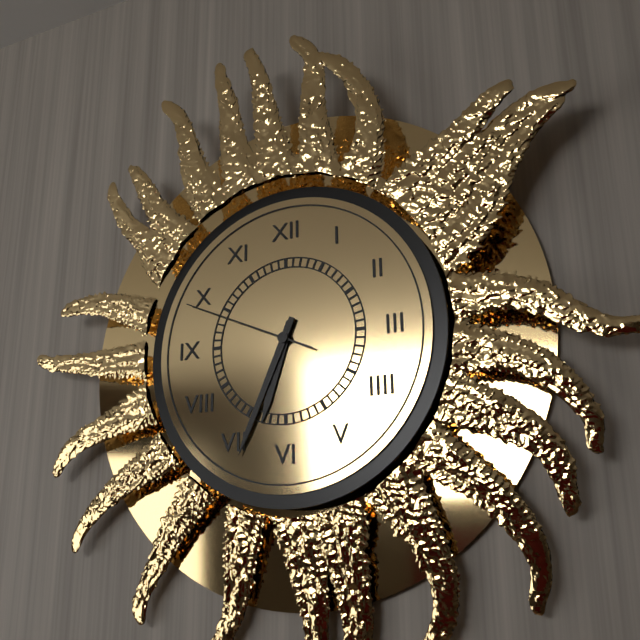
6:34:49
